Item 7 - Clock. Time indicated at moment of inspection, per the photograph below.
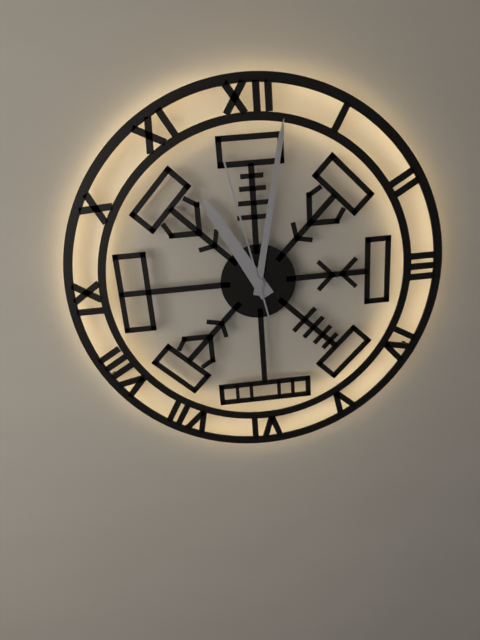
11:02:58
